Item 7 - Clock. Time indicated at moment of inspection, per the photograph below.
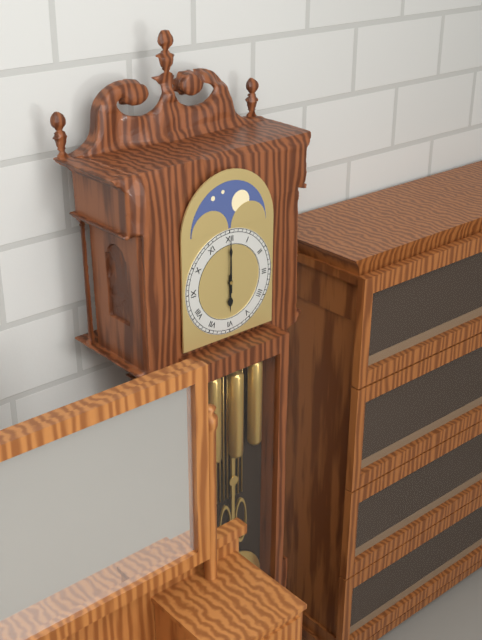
6:00
